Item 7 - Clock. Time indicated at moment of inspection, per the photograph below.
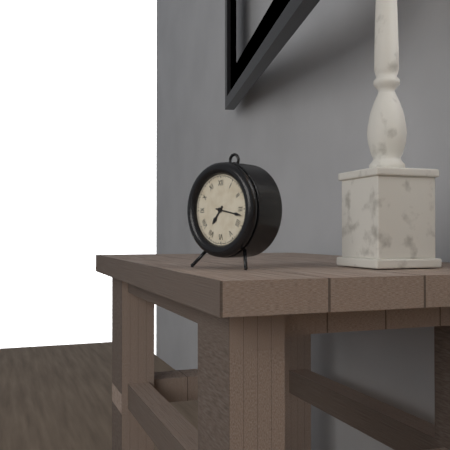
7:17
